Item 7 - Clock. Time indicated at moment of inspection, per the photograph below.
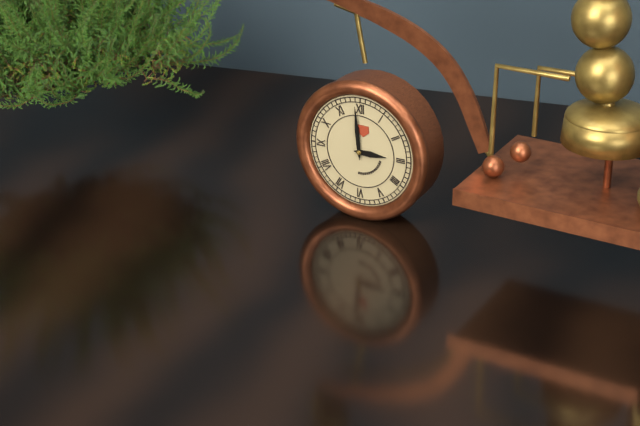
2:59
